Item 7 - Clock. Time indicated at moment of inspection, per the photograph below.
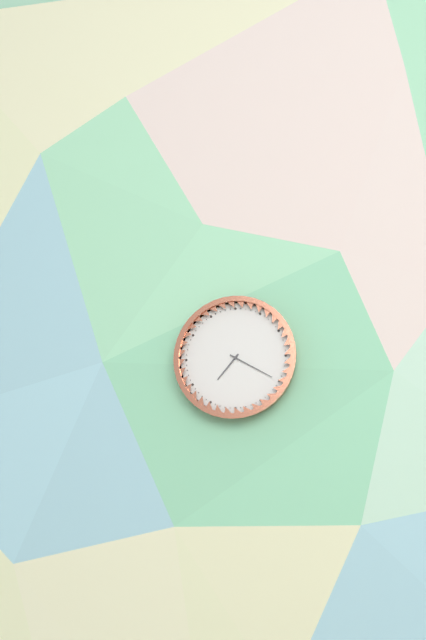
7:20
